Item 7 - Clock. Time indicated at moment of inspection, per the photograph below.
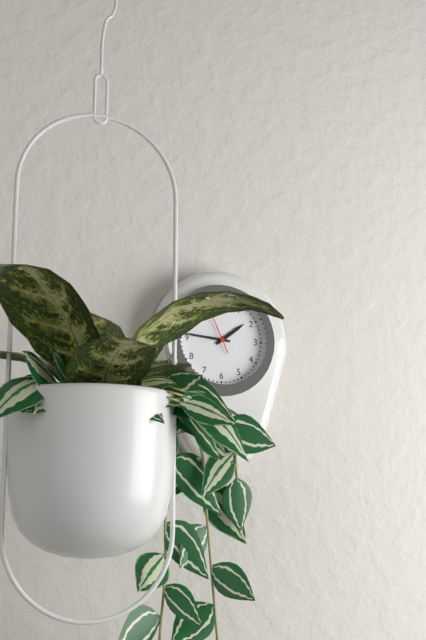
1:46:56
